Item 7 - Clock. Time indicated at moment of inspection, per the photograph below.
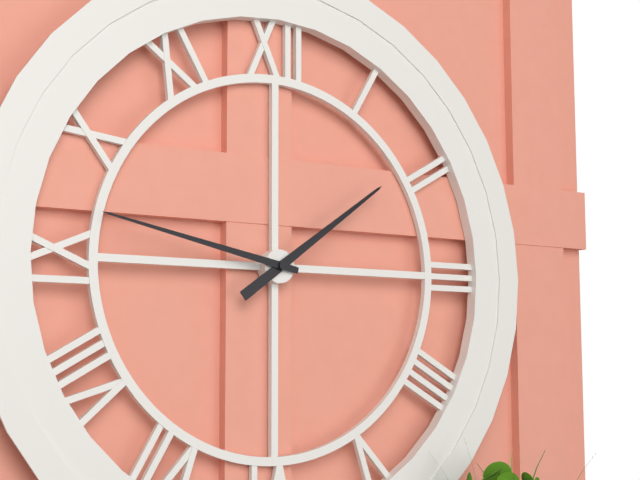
1:47
